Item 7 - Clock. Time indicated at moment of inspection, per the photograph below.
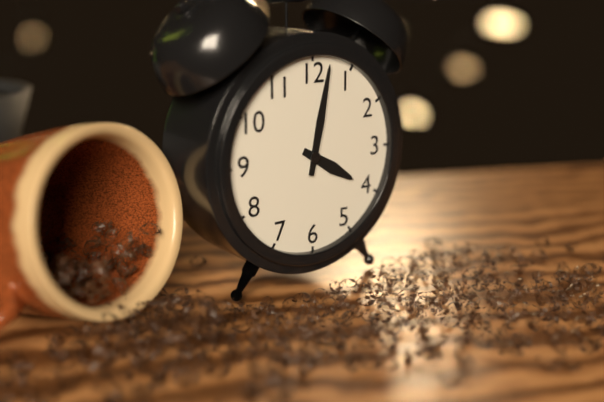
4:02
